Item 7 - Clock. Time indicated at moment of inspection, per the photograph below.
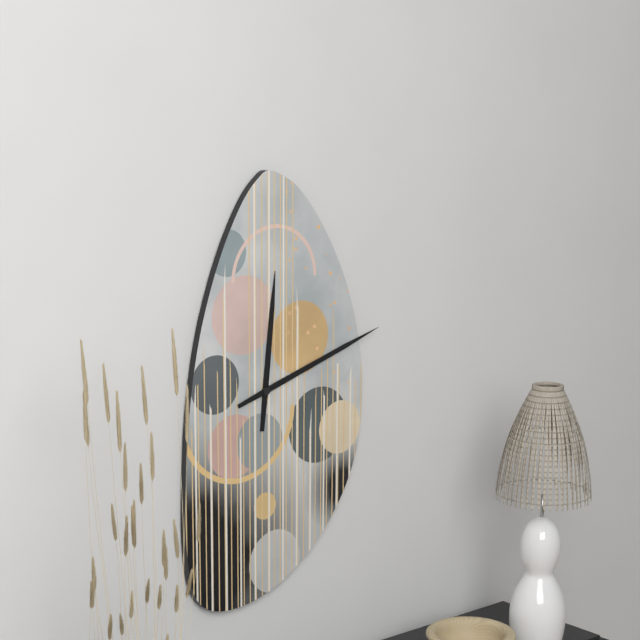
12:12
